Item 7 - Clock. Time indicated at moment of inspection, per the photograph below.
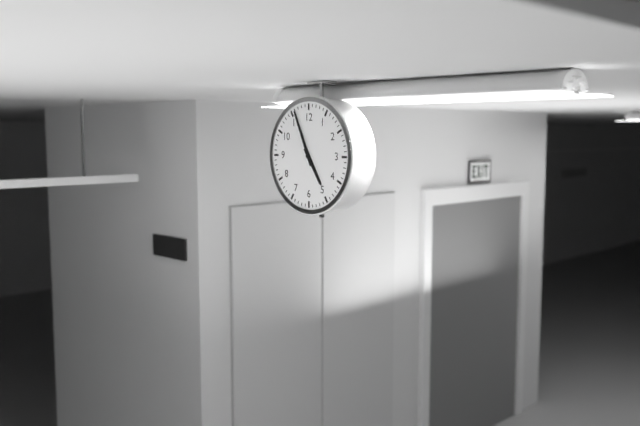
4:56
